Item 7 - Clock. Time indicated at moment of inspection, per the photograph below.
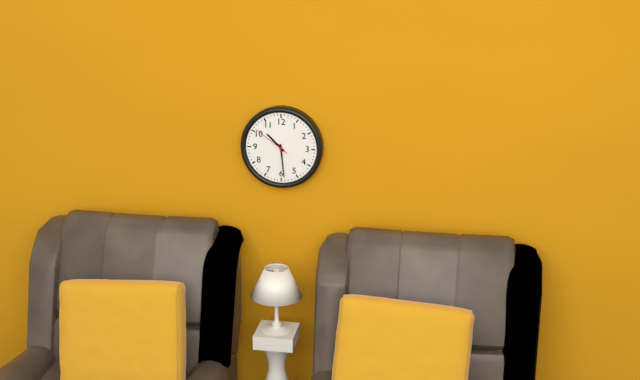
10:29
